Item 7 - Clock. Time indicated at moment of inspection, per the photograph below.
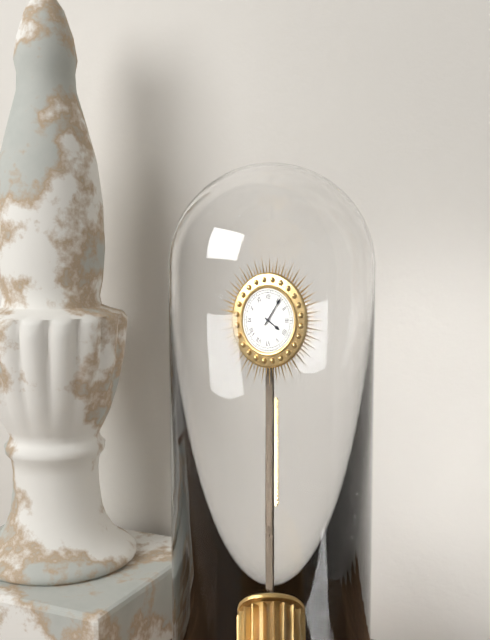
4:06
